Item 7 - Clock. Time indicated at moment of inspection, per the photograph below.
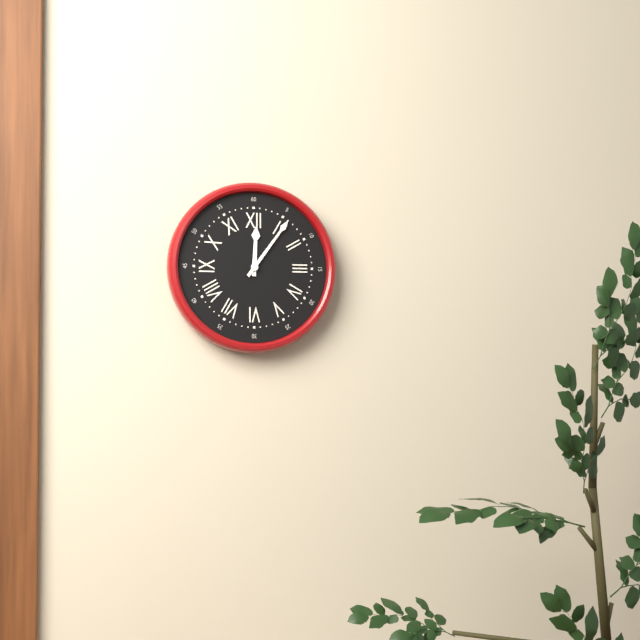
12:06
